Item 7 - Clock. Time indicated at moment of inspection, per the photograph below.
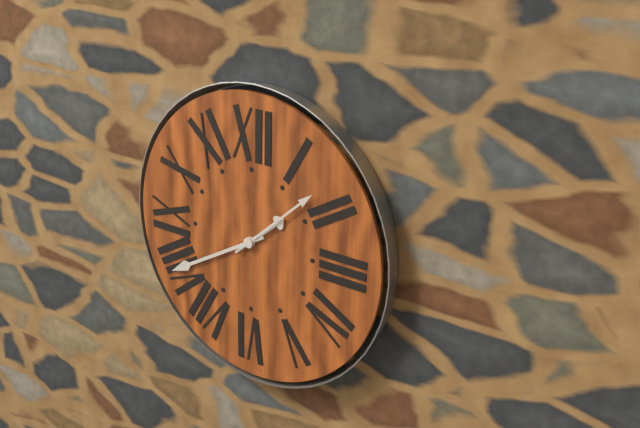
1:40:08
